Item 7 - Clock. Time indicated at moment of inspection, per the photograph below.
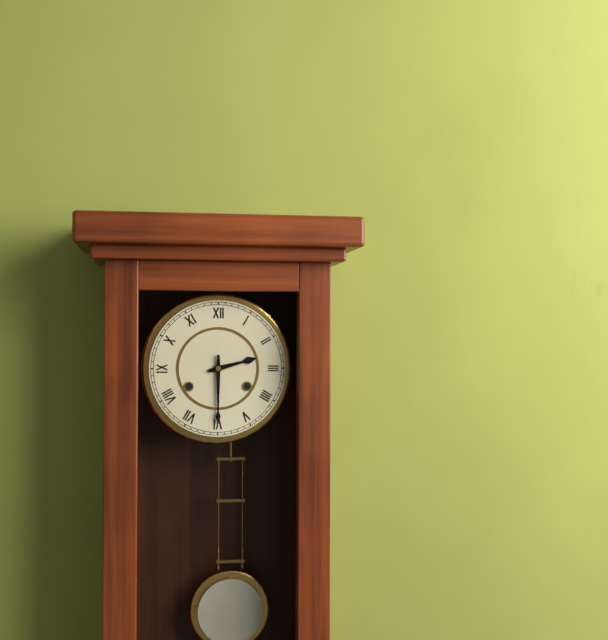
2:30
